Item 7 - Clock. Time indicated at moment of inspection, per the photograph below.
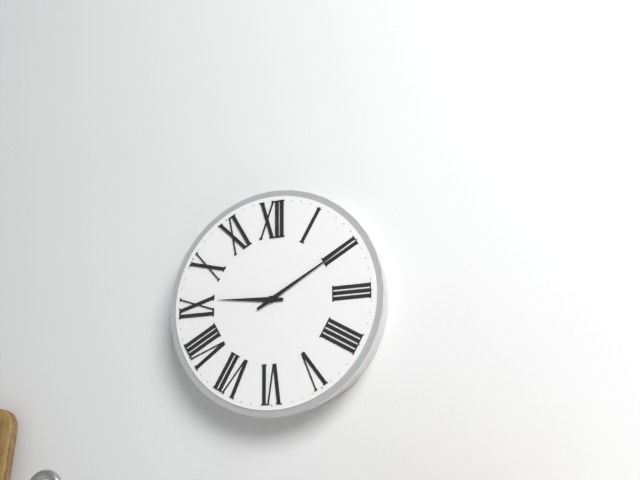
9:10
